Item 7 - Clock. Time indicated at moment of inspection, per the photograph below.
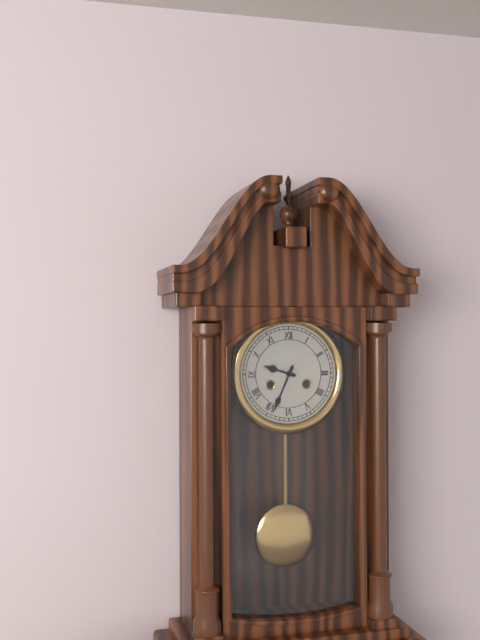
9:34
